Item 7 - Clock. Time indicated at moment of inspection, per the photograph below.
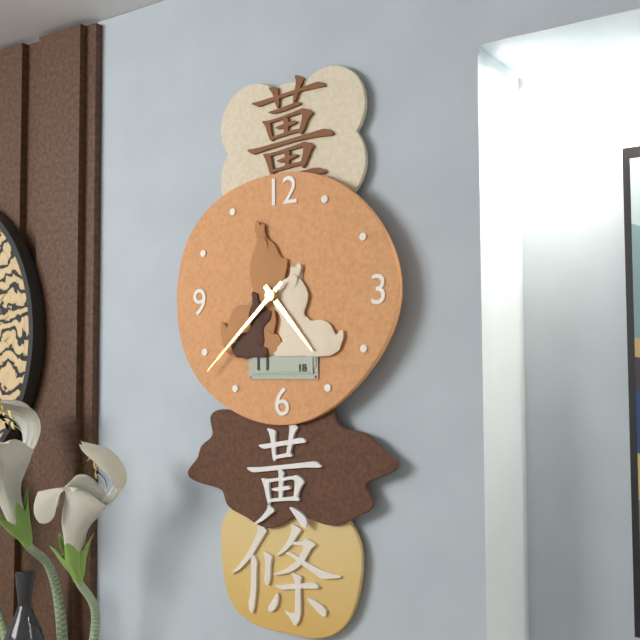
4:38
